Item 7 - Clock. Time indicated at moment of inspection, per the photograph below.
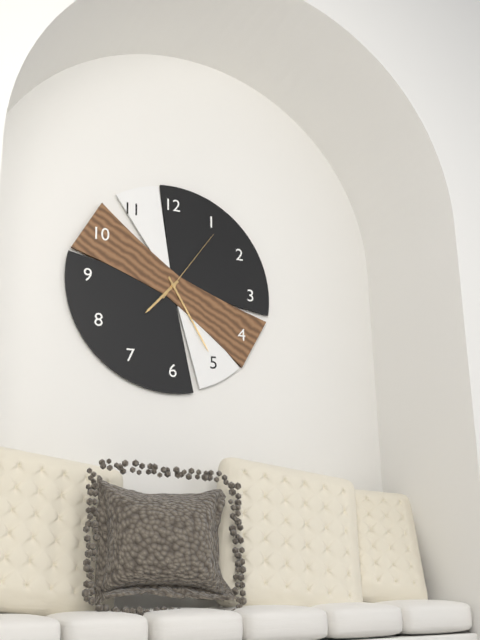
7:25:06
